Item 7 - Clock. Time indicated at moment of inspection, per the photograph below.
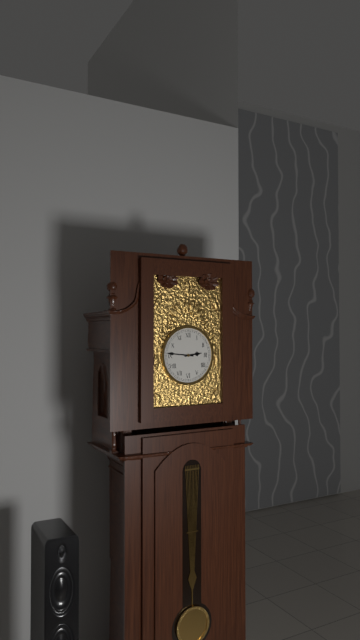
2:46
